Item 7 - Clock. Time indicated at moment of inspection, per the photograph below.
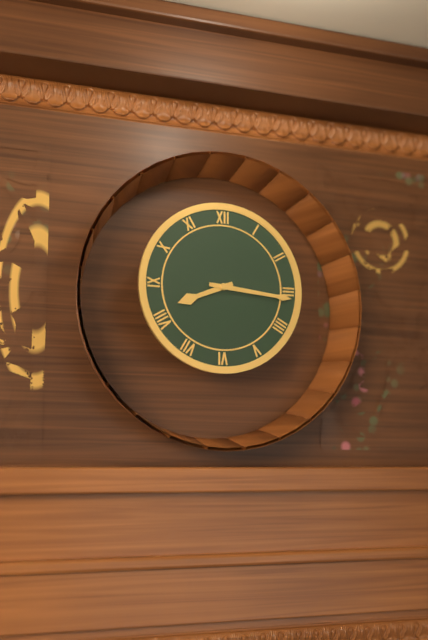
8:16
